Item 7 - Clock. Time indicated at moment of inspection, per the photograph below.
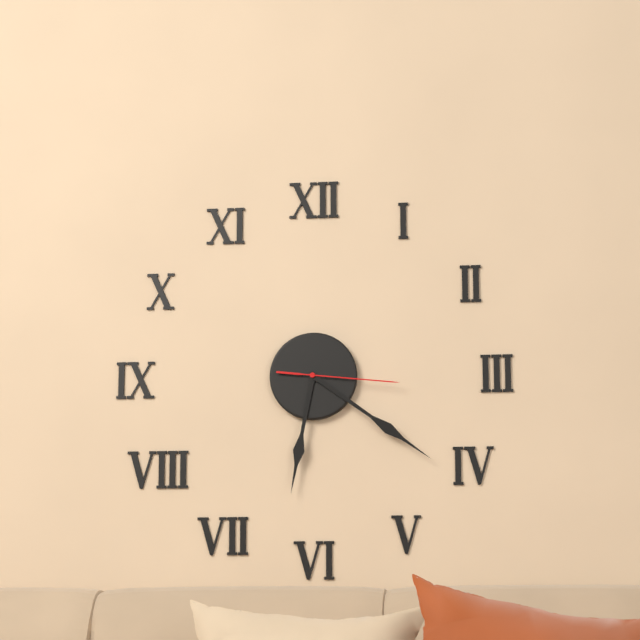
6:21:16
